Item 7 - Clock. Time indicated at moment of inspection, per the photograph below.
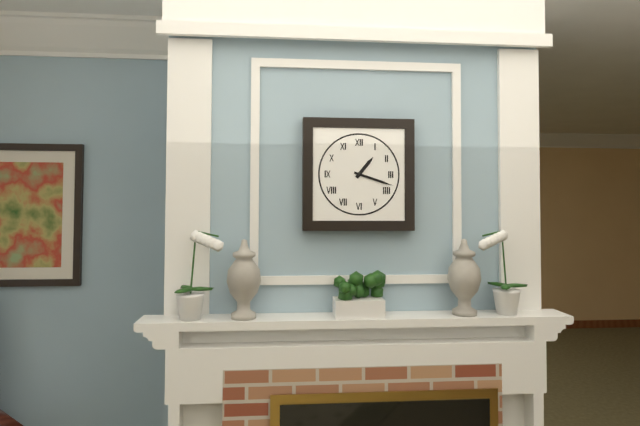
1:18
